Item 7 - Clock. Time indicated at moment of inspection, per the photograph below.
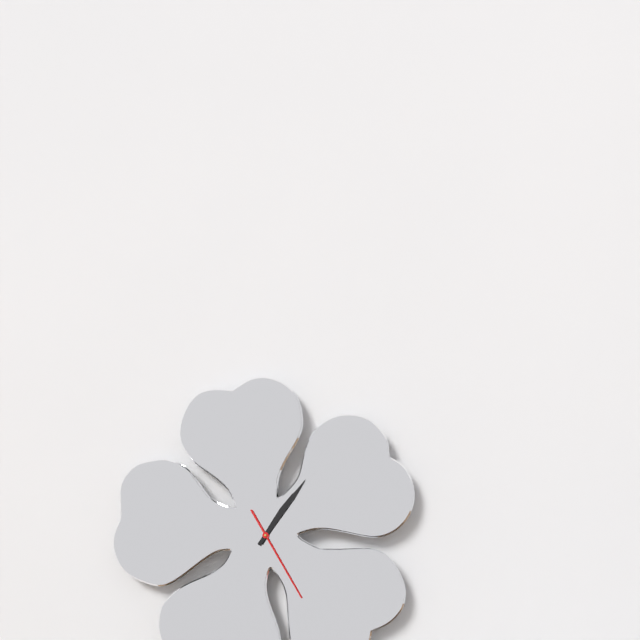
1:06:25
